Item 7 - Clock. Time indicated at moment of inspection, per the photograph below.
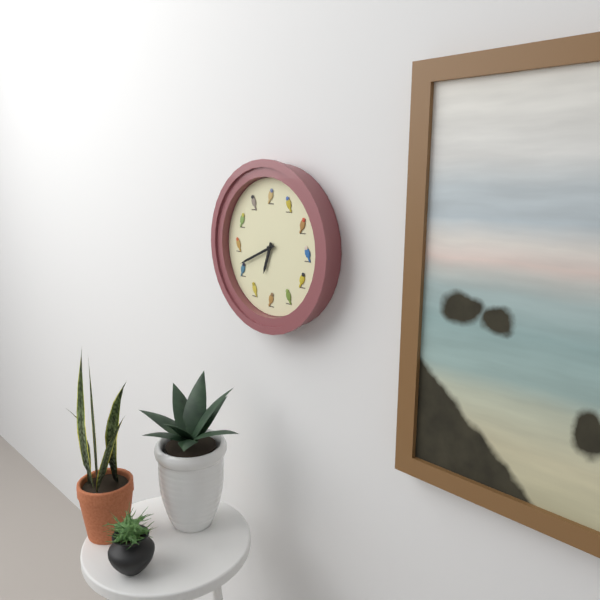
6:41
